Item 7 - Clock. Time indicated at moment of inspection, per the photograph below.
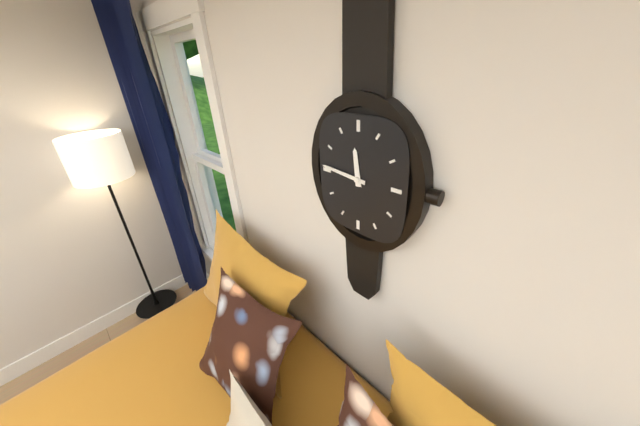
11:46
